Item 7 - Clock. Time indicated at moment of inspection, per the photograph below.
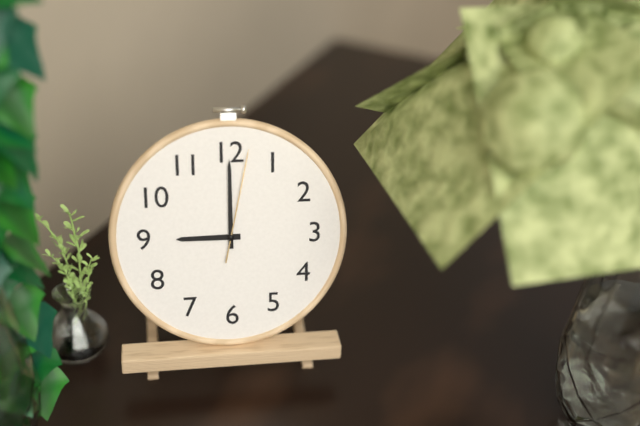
9:00:02
